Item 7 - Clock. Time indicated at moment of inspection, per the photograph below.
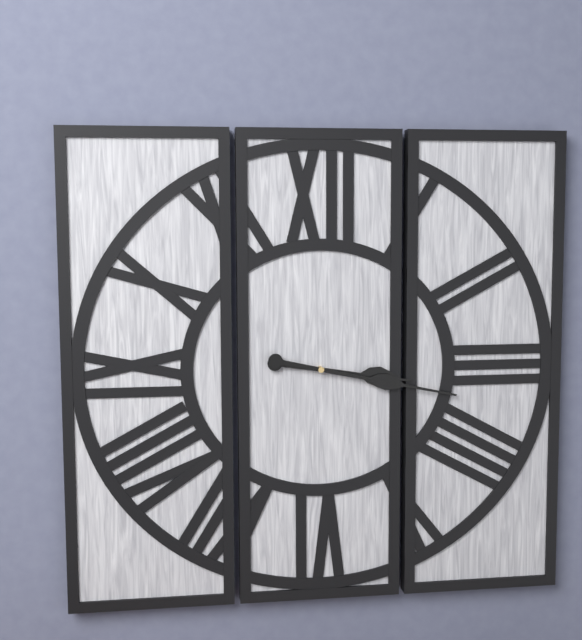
3:17
